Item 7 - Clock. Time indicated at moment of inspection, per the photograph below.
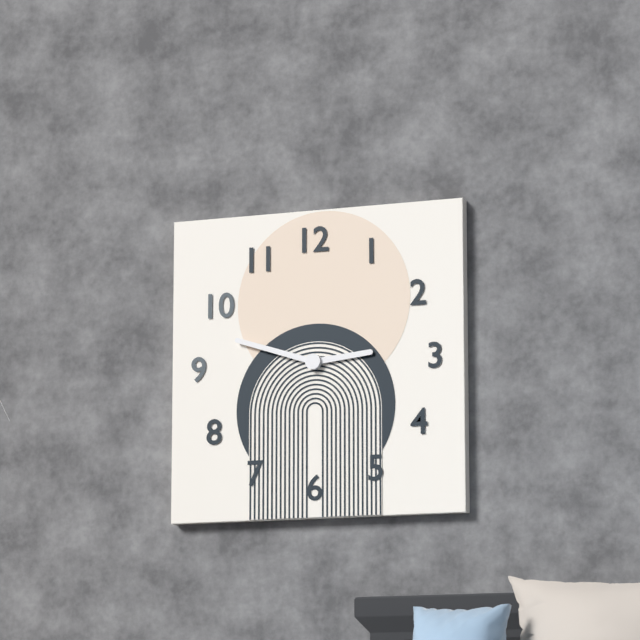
2:48
